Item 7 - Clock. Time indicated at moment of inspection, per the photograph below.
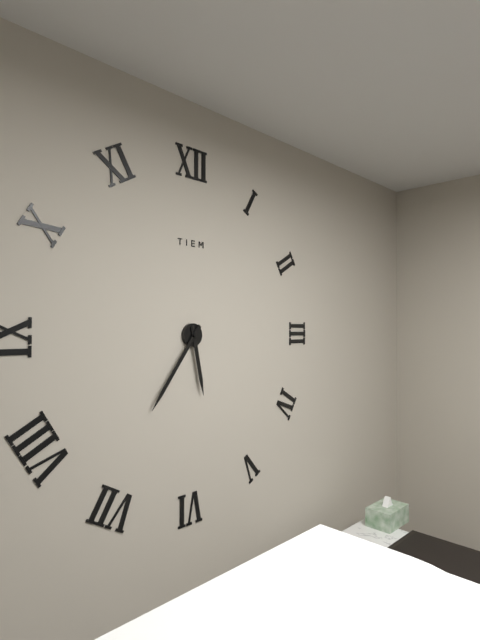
5:36
